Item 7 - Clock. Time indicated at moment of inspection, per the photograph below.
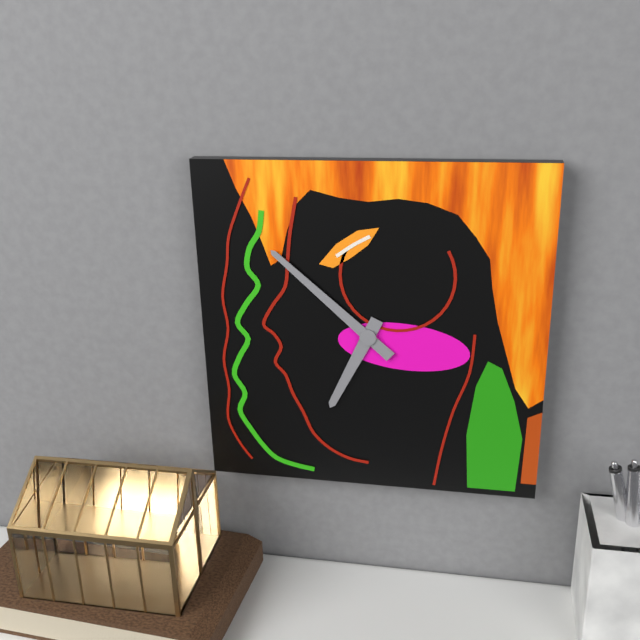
6:52
